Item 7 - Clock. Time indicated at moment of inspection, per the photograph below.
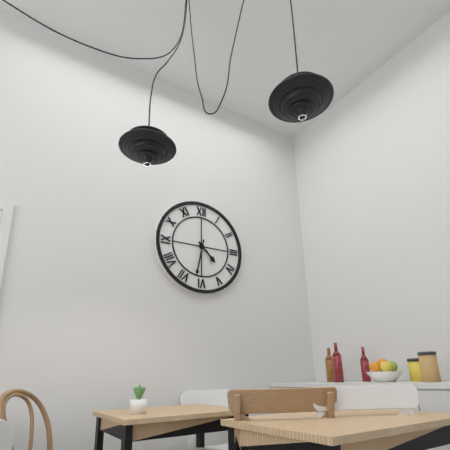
4:32
